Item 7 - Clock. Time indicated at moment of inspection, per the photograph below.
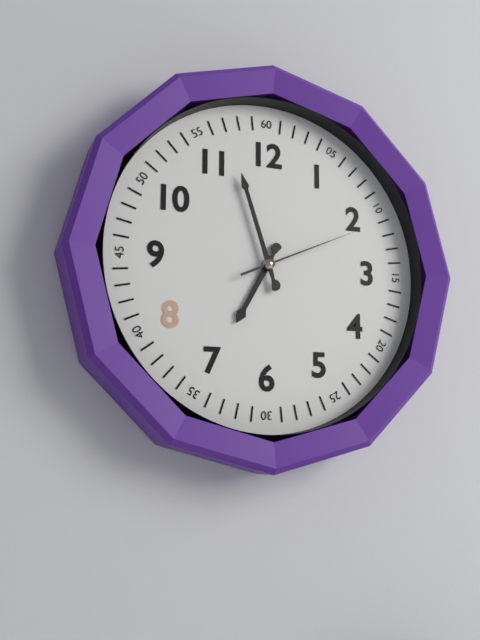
6:57:11
